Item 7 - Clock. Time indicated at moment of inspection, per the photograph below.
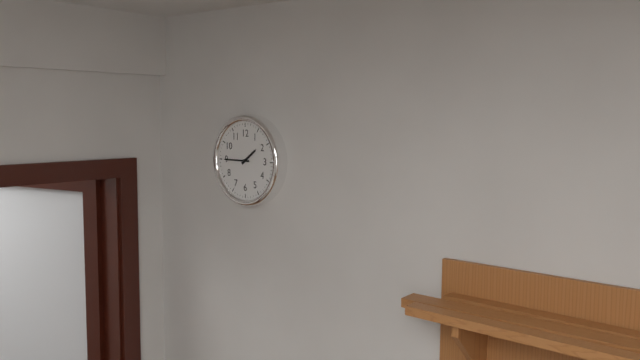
1:45
